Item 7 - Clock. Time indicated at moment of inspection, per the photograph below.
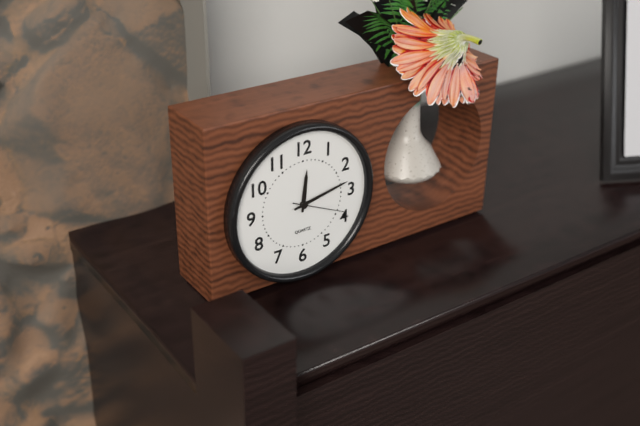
12:13:19
